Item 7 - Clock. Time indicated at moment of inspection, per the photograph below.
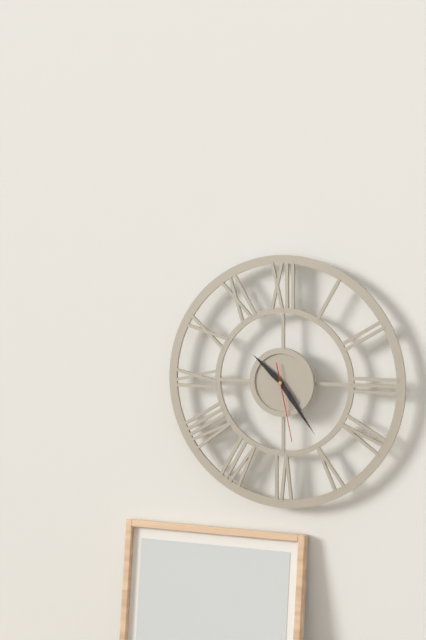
10:24:28
